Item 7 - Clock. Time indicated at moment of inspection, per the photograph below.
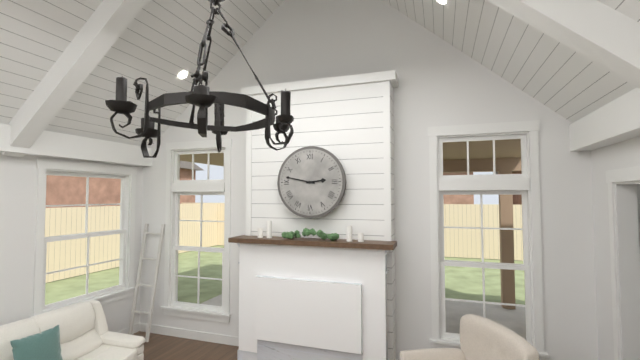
2:47
